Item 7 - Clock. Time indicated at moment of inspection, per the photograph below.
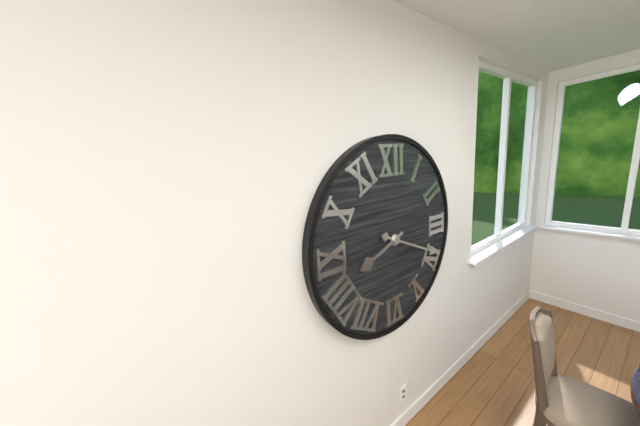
8:19
